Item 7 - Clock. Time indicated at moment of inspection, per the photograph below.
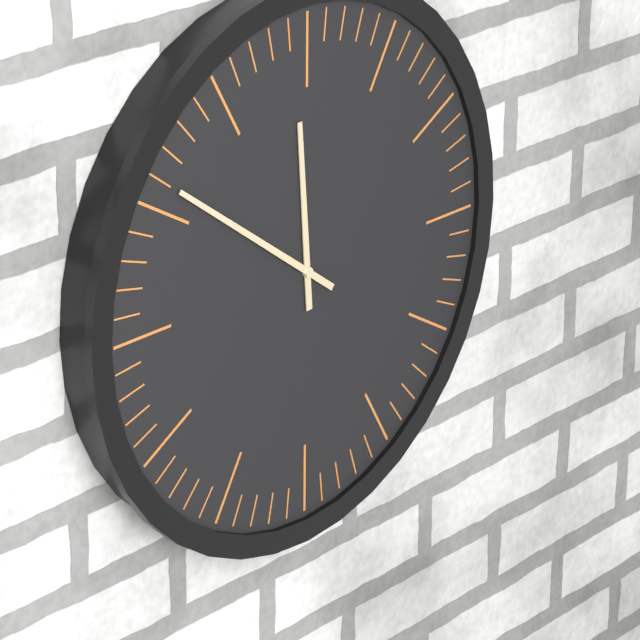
11:51
